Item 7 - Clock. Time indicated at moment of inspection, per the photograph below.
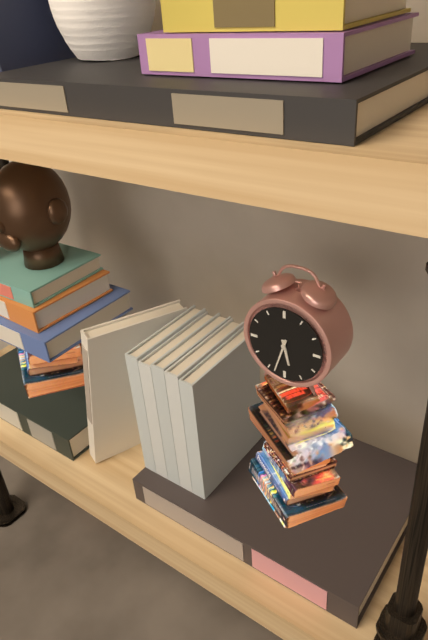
5:33
